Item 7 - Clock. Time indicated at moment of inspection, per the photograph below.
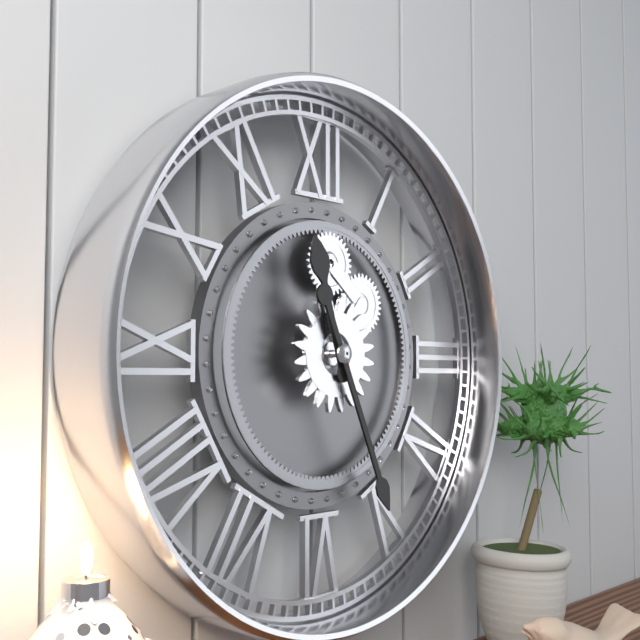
11:26
